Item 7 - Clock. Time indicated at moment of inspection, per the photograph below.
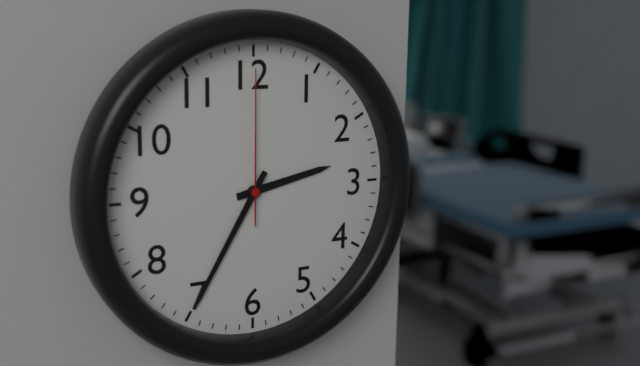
2:35:00
